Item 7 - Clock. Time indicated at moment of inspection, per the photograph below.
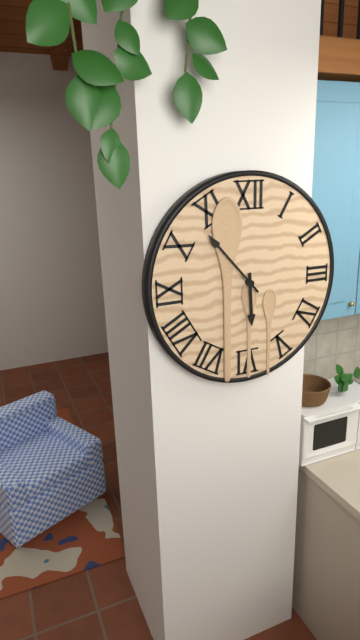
5:53
